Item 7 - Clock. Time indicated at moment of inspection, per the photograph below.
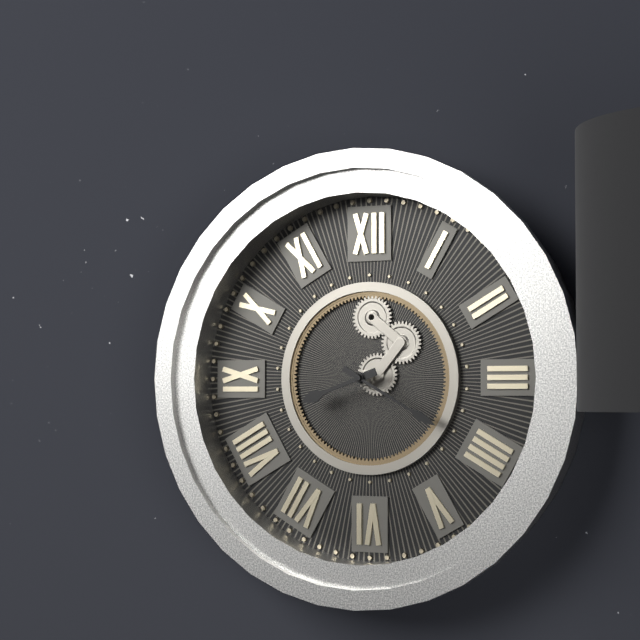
8:20
